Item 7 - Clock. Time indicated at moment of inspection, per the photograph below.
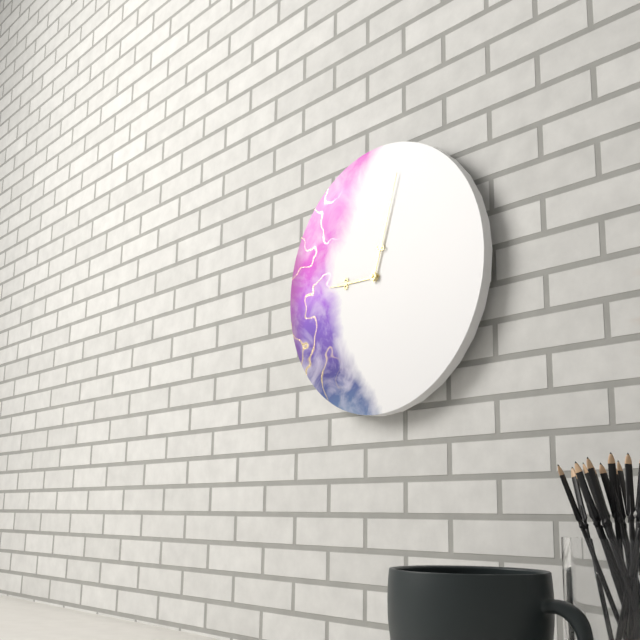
9:03
